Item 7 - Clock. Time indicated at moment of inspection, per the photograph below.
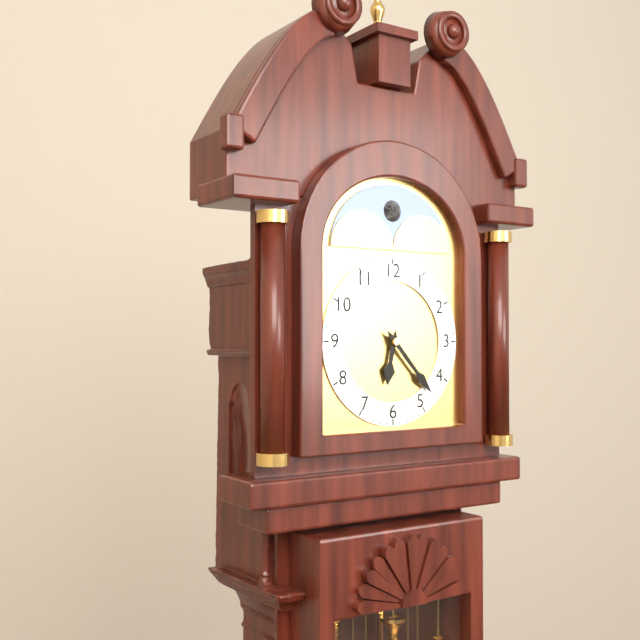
6:23
